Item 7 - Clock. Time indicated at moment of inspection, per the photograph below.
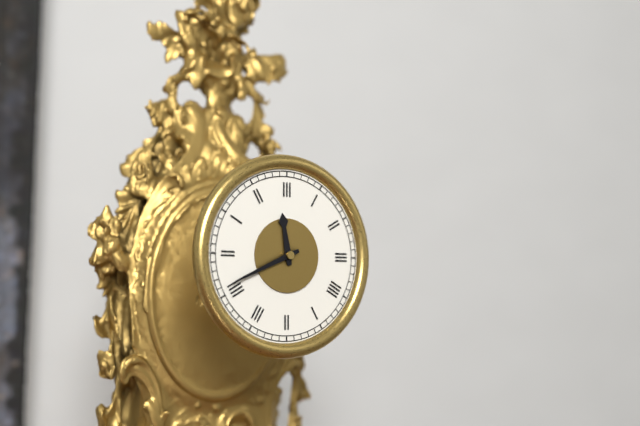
11:41
